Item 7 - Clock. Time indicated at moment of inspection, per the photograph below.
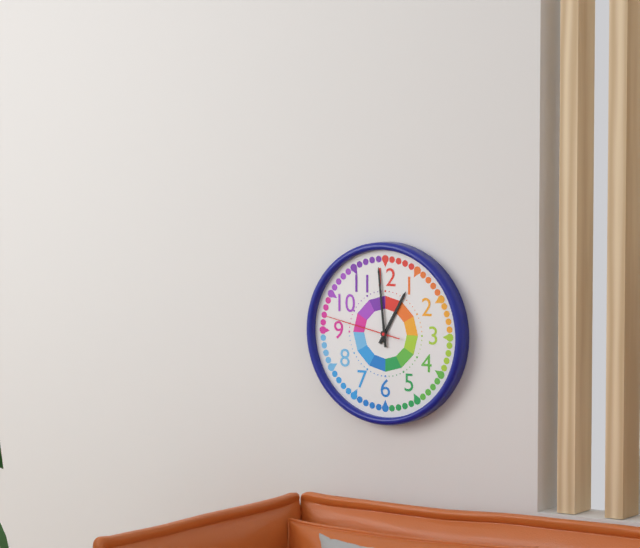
12:59:47
